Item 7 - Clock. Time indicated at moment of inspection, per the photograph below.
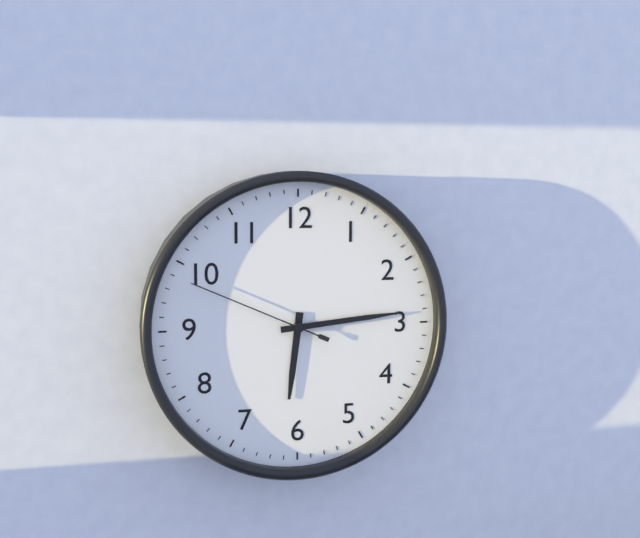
6:14:49
